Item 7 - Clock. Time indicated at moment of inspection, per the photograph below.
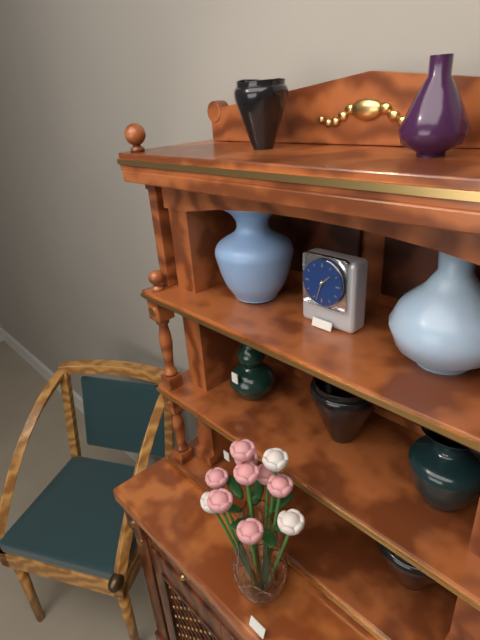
1:33
